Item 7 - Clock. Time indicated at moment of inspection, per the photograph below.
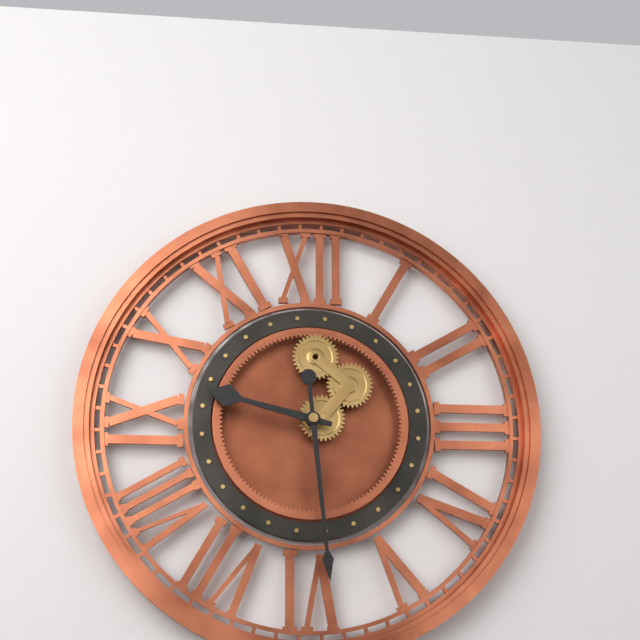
9:29
